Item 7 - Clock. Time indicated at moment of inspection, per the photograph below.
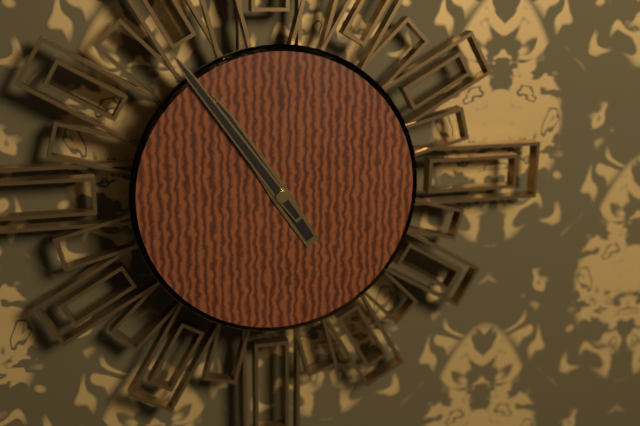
10:54
